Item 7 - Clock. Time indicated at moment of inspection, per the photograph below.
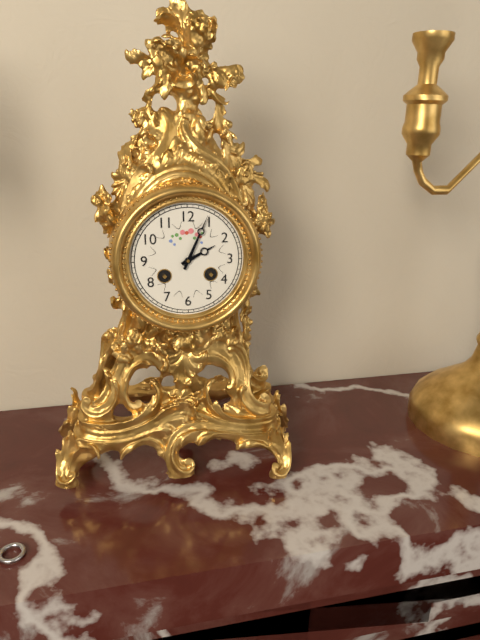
2:04
